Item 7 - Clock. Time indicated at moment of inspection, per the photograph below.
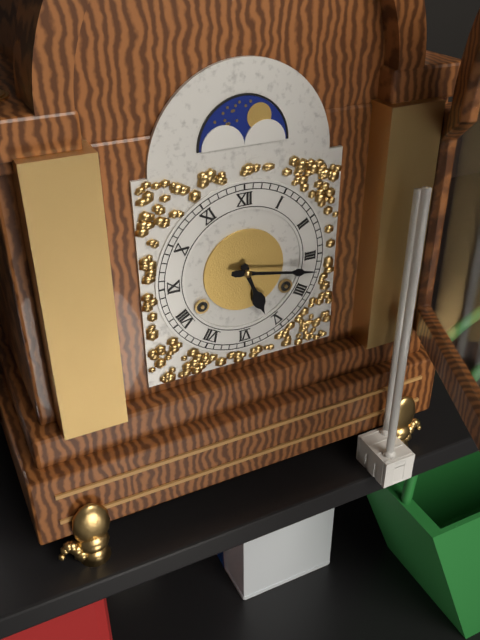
5:17
